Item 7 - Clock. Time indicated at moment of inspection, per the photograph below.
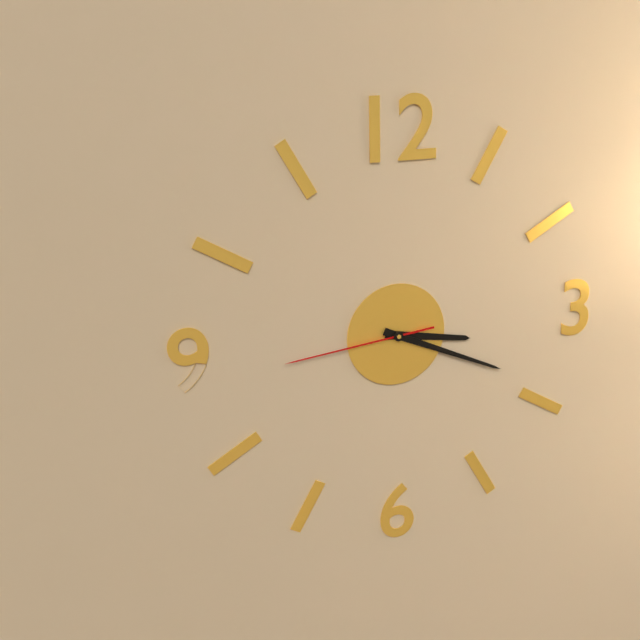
3:19:44
